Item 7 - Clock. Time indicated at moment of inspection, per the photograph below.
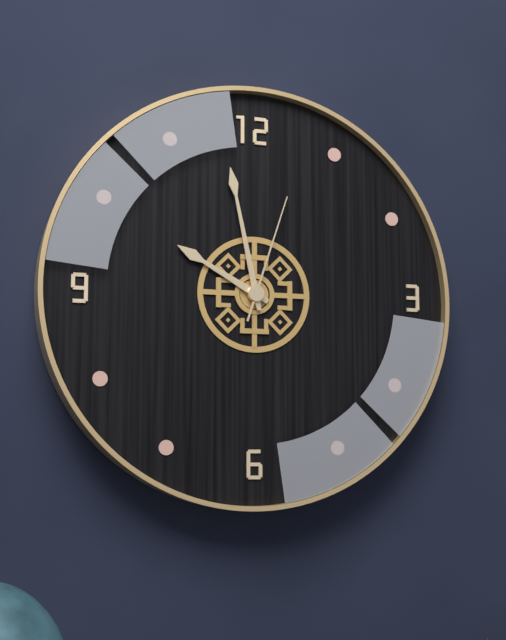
9:58:03
